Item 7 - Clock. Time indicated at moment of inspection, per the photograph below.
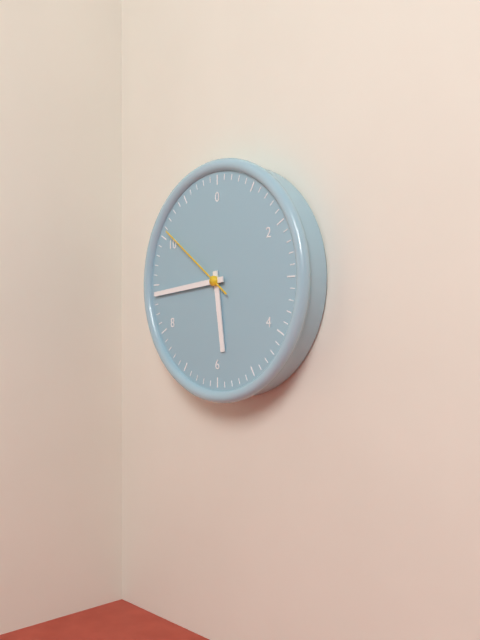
5:44:51
